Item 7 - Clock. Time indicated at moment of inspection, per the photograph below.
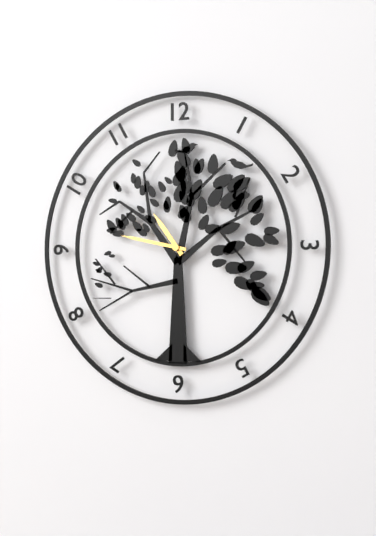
10:47
